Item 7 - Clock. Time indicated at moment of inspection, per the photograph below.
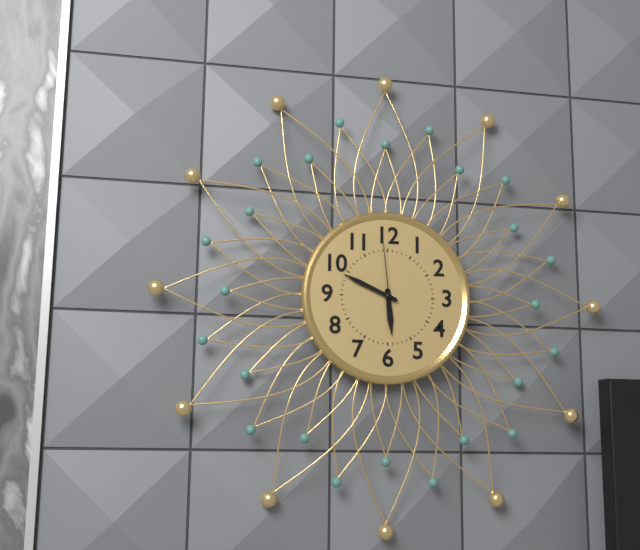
5:49:59
